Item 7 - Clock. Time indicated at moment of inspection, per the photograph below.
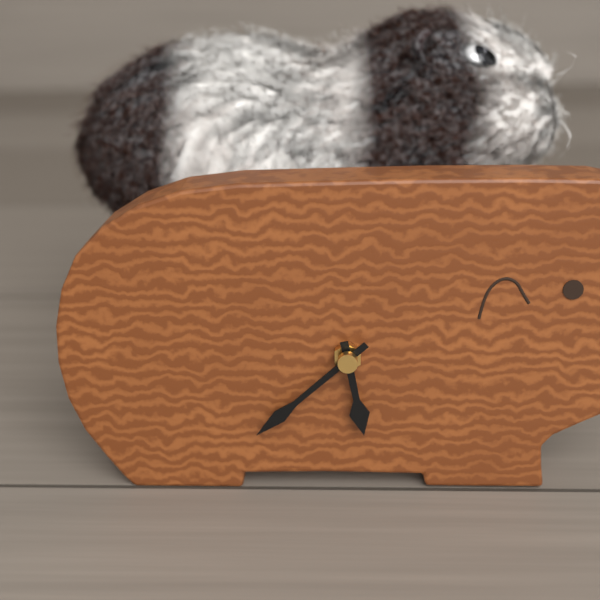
5:38
